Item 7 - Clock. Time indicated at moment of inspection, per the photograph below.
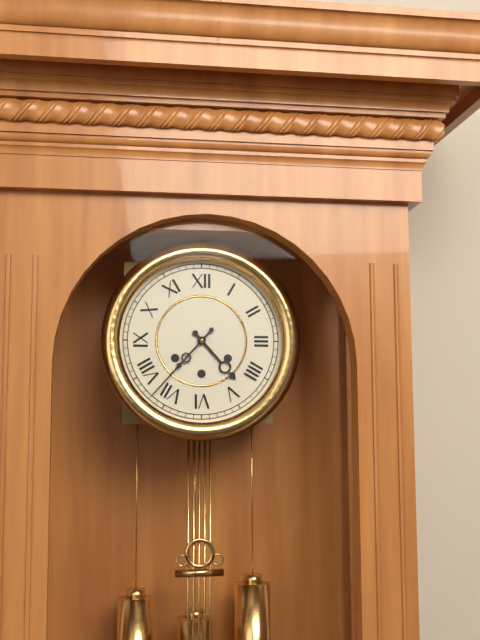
4:37
